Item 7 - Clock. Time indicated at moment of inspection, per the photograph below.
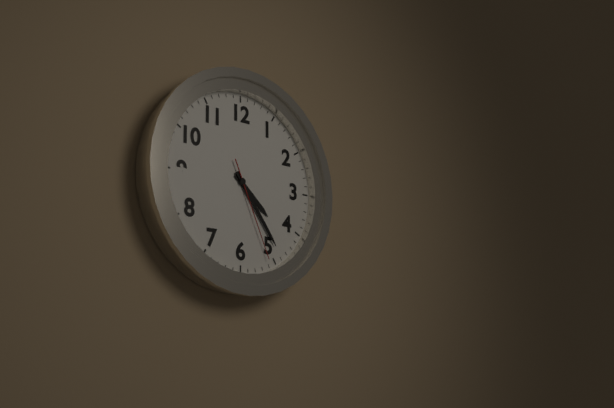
4:24:26
